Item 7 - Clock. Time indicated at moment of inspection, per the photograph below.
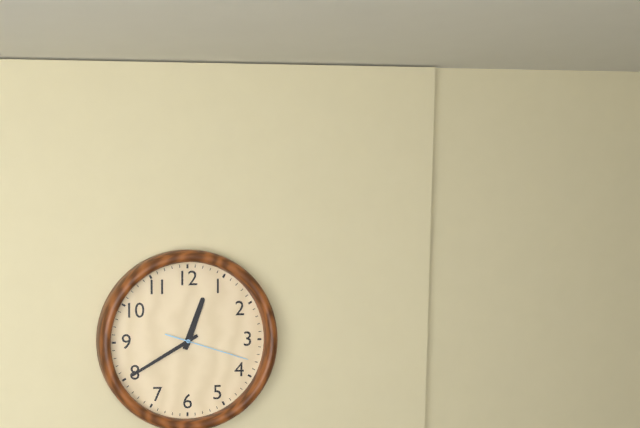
12:40:18
